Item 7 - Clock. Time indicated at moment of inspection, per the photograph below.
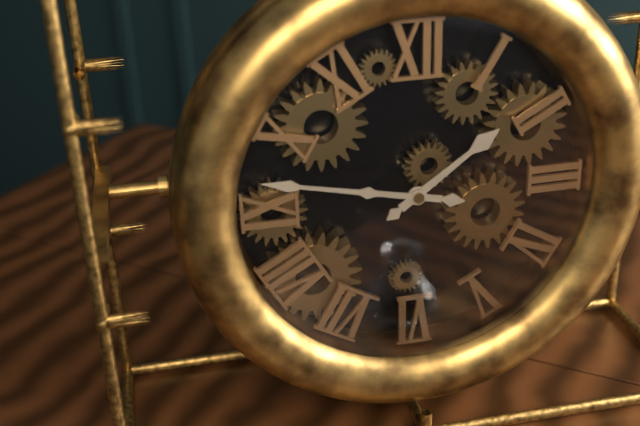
1:47
